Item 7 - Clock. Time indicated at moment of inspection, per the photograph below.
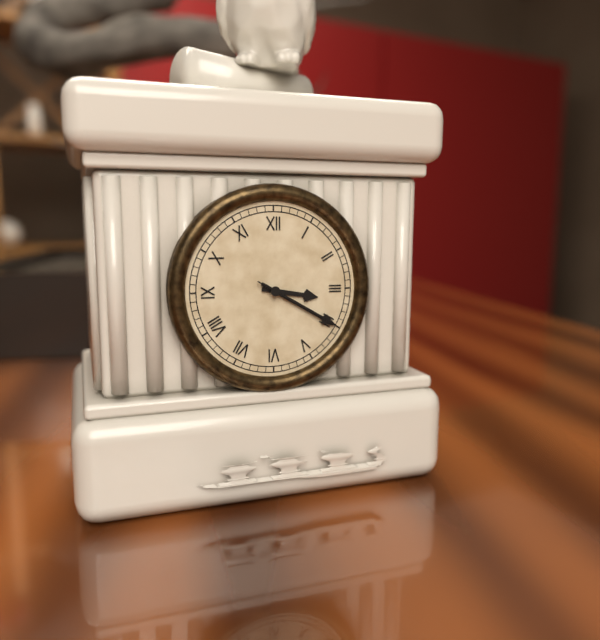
3:20:20
